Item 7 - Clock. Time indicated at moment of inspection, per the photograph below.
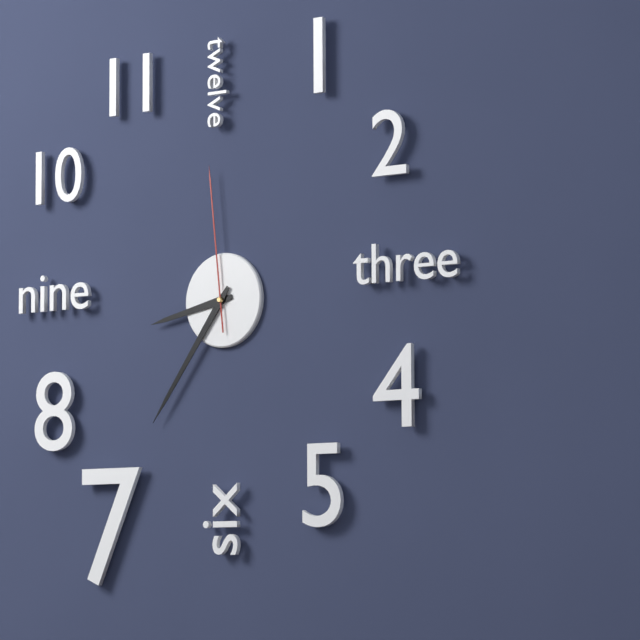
8:36:59
